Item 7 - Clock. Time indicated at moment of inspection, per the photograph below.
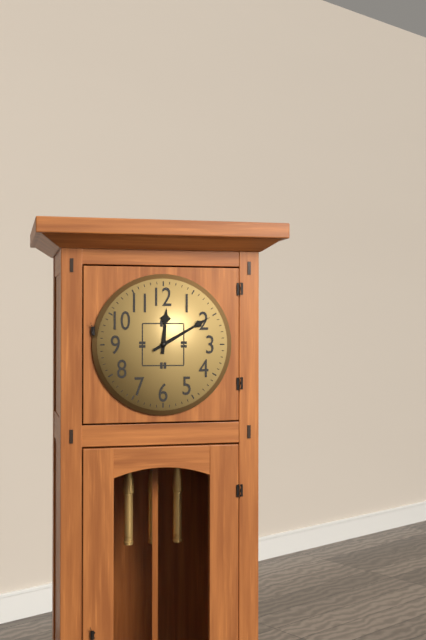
12:10
